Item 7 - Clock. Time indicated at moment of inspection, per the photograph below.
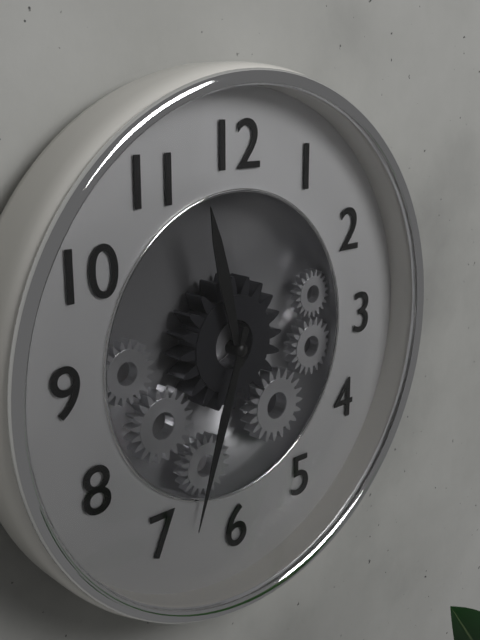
11:33
